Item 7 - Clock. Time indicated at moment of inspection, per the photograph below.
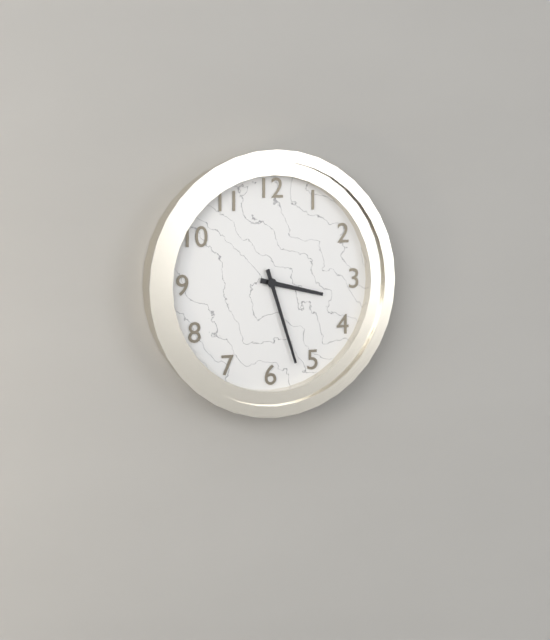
3:27
